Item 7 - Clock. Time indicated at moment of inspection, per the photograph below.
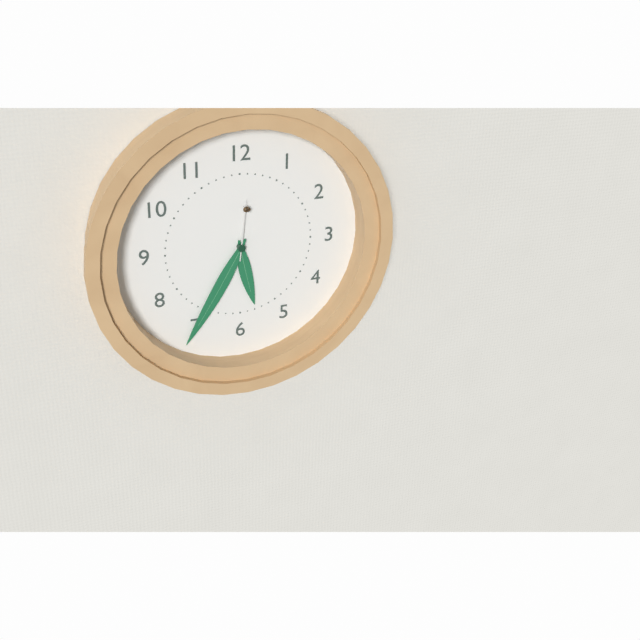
5:35:01
